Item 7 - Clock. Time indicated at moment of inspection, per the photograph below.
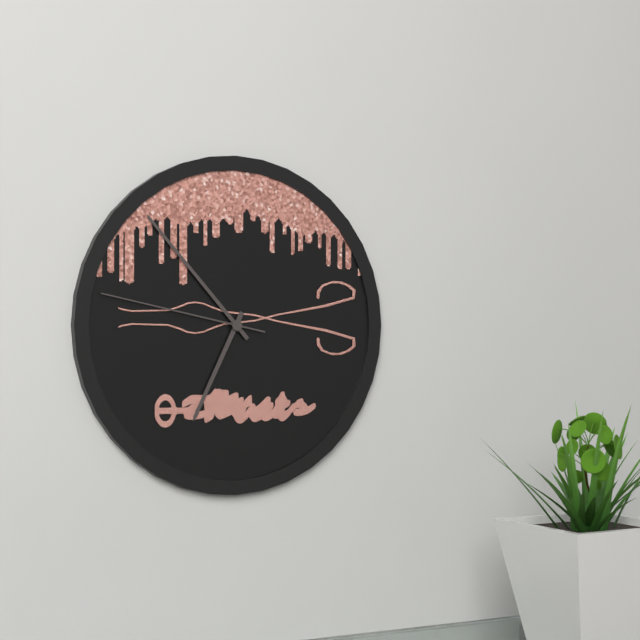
6:53:47
